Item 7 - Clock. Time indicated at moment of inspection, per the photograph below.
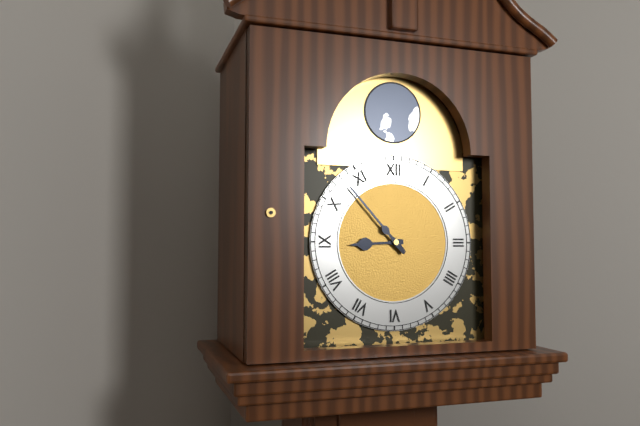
8:53
